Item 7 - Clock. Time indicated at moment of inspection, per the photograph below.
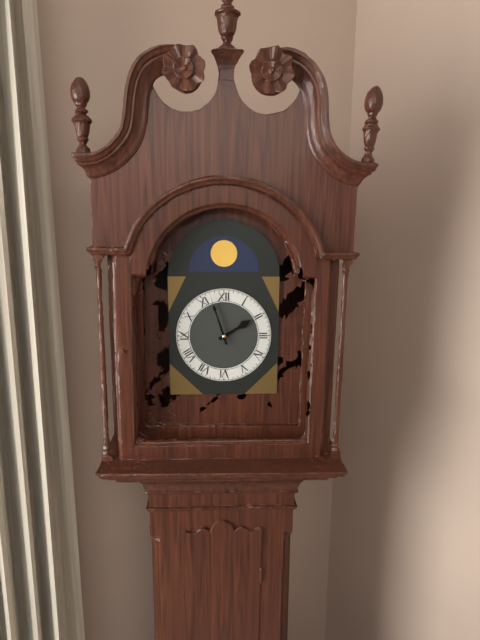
1:57
